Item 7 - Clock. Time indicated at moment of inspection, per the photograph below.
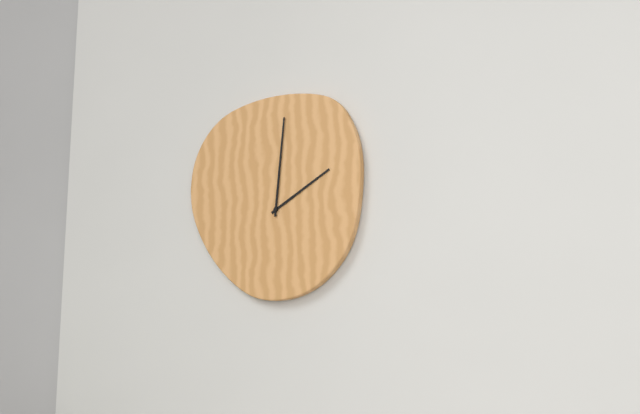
2:01
